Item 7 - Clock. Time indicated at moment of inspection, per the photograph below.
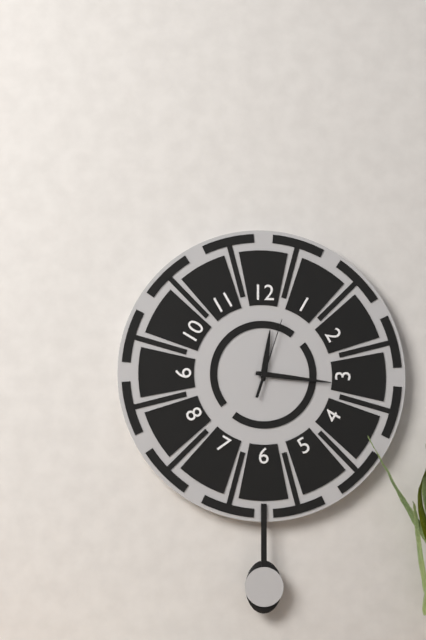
12:16:03
